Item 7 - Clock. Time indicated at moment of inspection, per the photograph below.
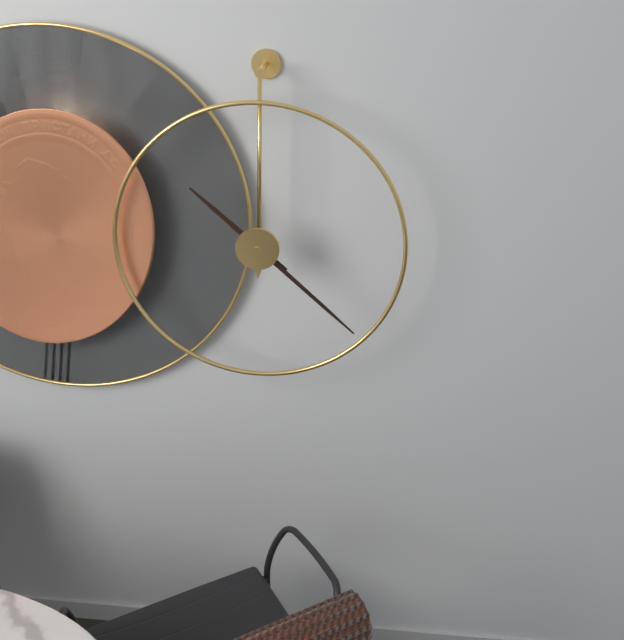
10:22
